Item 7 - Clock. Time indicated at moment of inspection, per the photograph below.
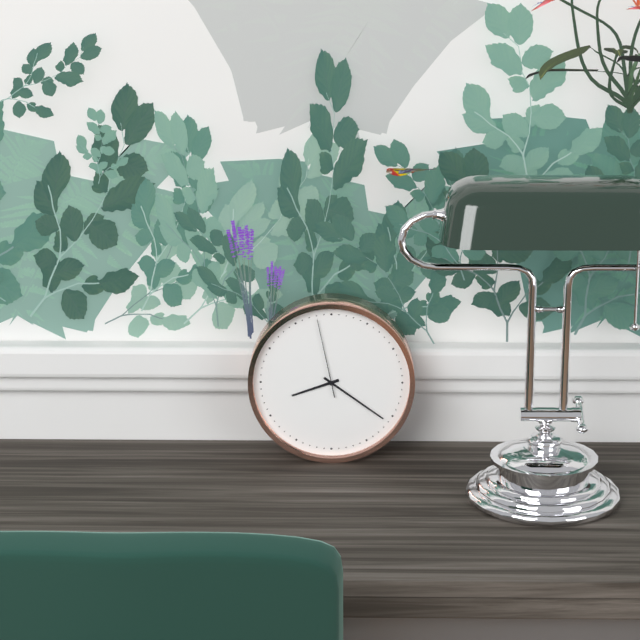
8:21:58
